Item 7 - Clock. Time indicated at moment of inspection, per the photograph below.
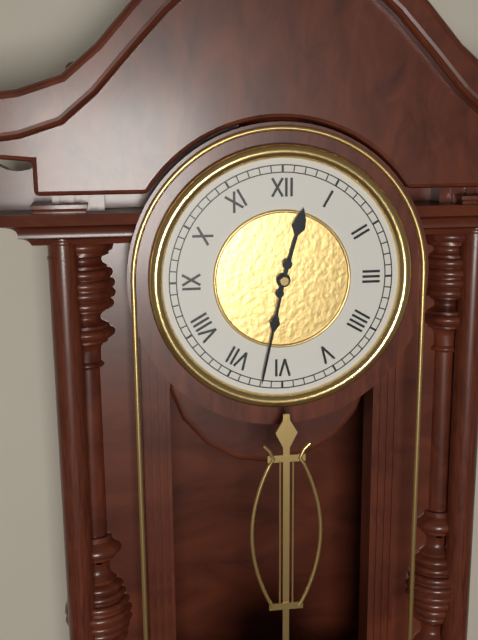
12:32
